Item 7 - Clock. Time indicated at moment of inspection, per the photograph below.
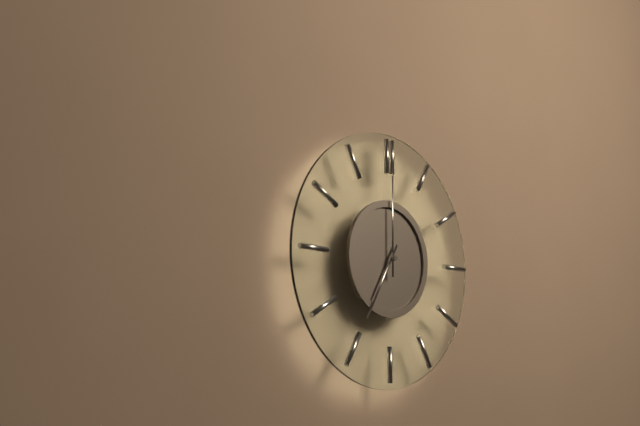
7:00
